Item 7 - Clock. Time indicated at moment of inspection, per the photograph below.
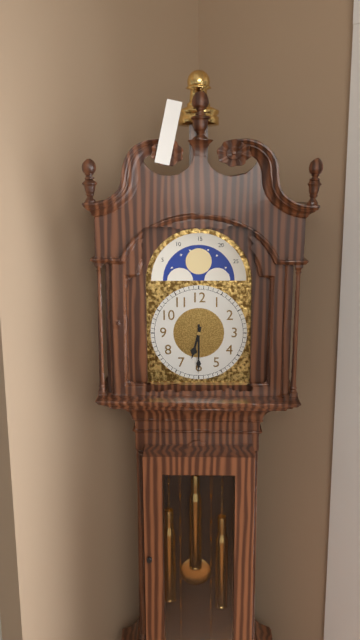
6:30
